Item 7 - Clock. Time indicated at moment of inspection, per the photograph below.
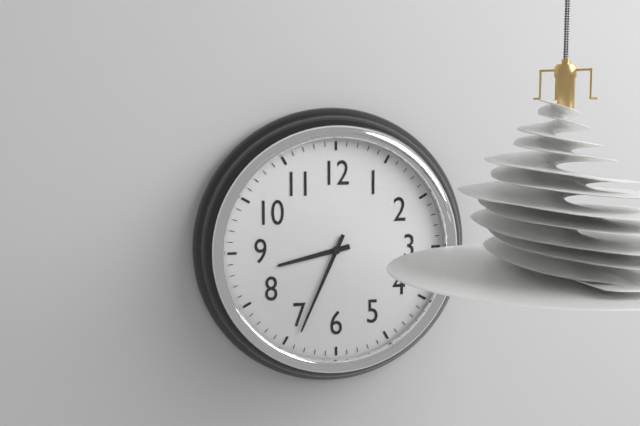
8:34
